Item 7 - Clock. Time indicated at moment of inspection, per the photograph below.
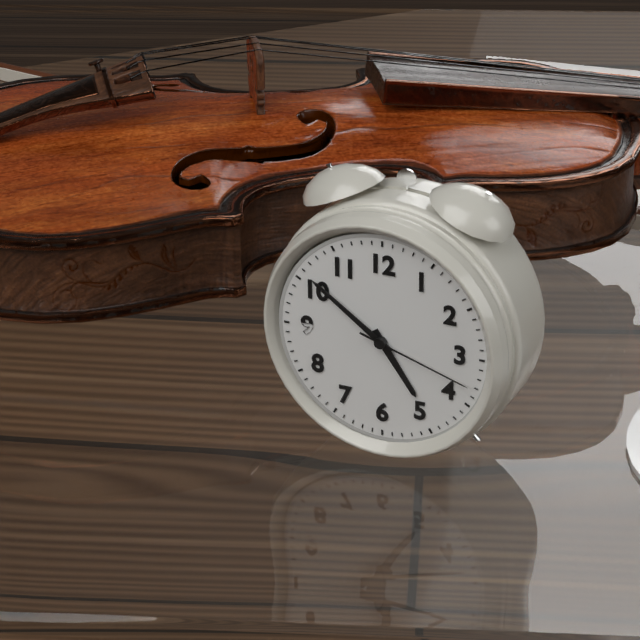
4:51:18
